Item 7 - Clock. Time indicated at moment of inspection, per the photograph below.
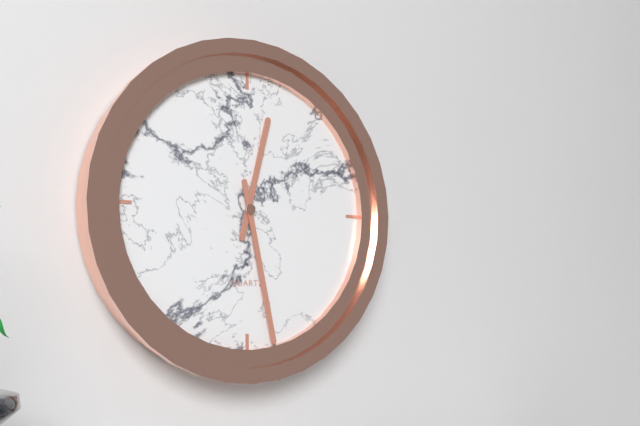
12:28
